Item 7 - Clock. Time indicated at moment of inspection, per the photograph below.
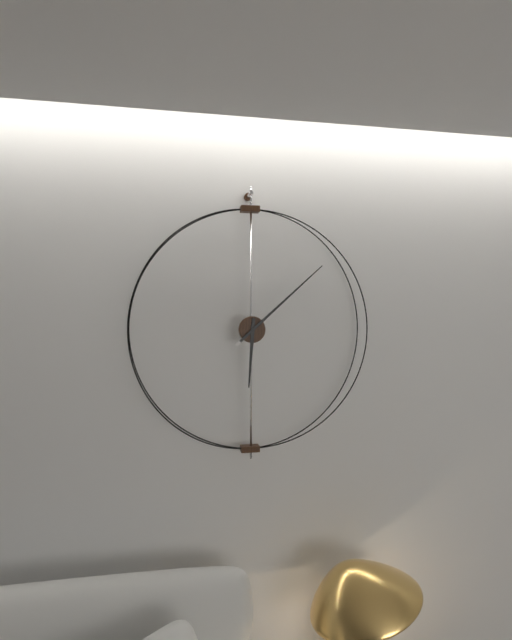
6:08
